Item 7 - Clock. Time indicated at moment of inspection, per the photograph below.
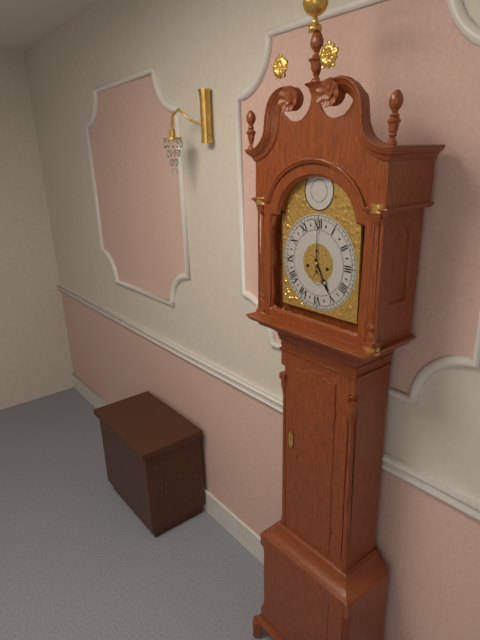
5:00
